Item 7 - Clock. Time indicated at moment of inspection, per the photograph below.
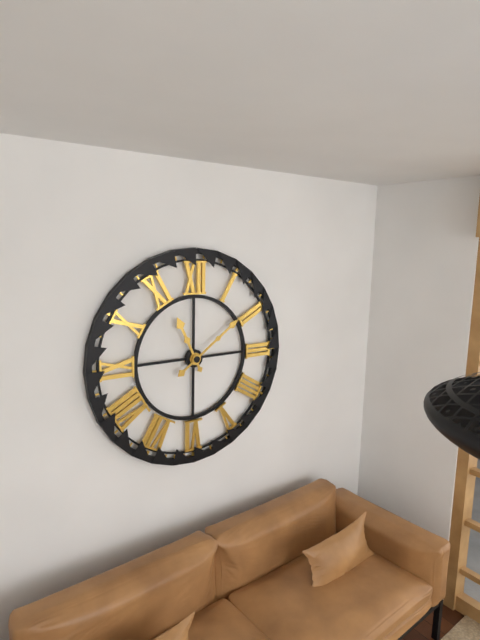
11:09
